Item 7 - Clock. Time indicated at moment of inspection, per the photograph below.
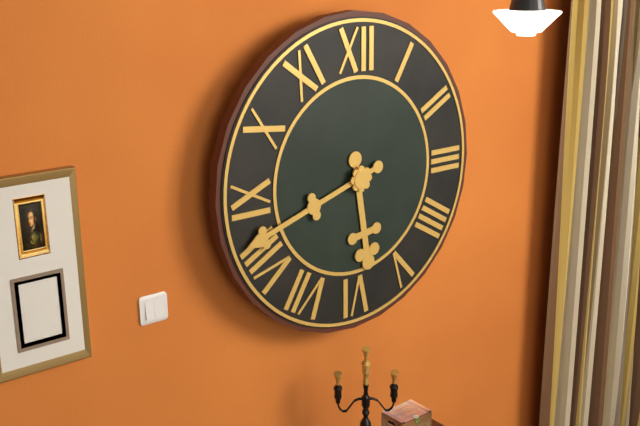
5:42
